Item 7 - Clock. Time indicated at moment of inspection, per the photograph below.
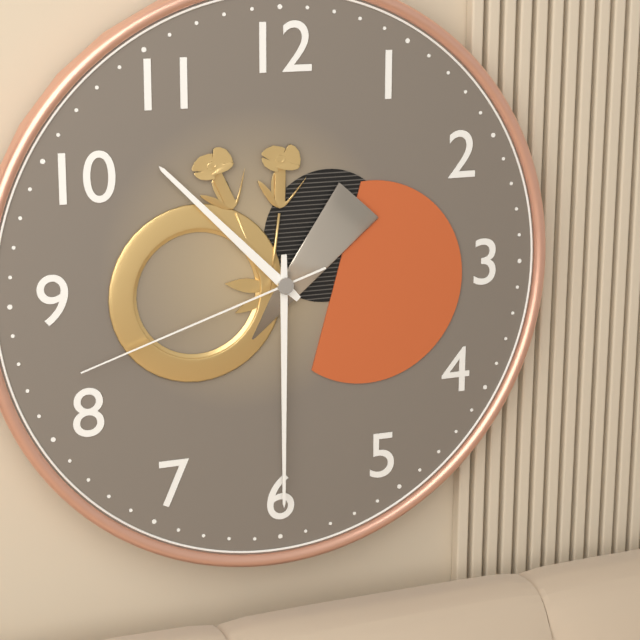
10:30:42
